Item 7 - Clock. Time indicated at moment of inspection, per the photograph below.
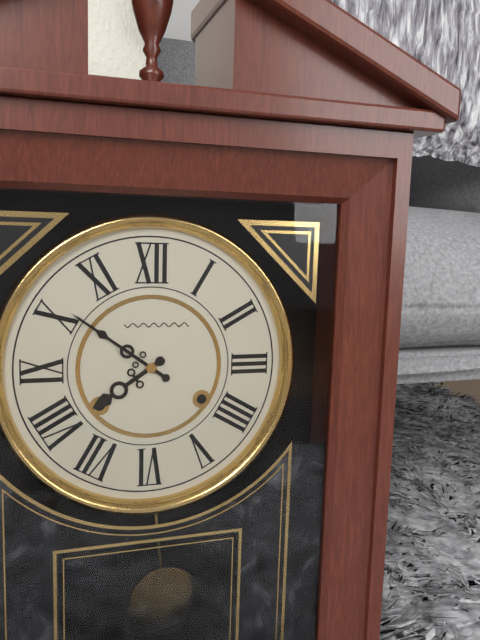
7:51
